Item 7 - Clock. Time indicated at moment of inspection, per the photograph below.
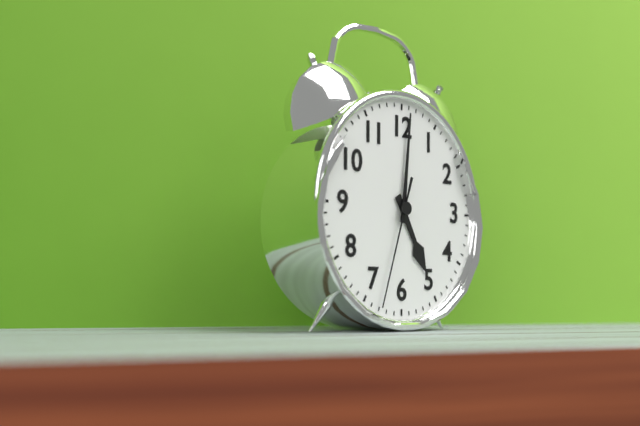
5:01:33
